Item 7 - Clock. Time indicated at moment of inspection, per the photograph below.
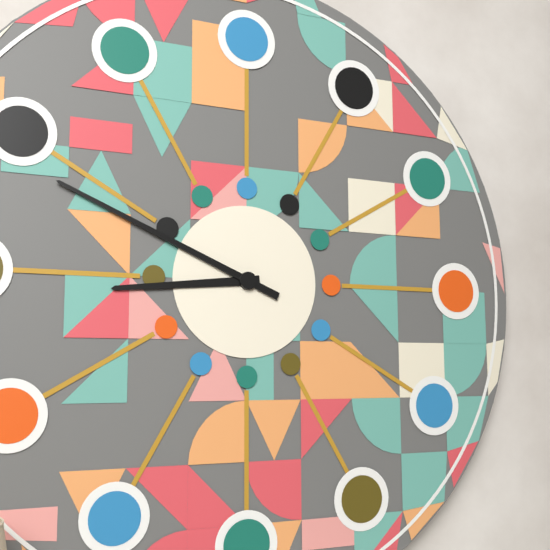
8:49
